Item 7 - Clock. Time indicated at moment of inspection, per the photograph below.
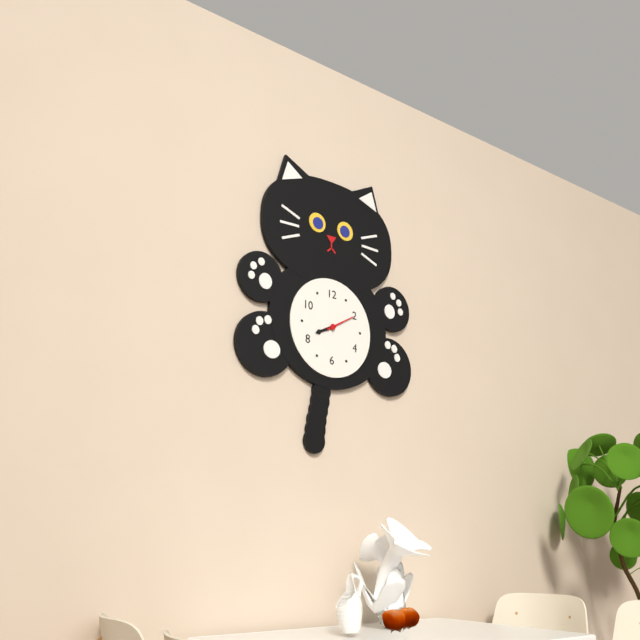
8:10
